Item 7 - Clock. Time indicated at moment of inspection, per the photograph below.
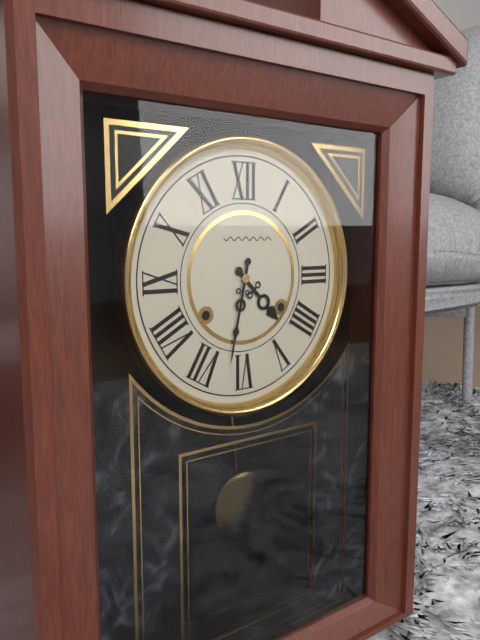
4:32
